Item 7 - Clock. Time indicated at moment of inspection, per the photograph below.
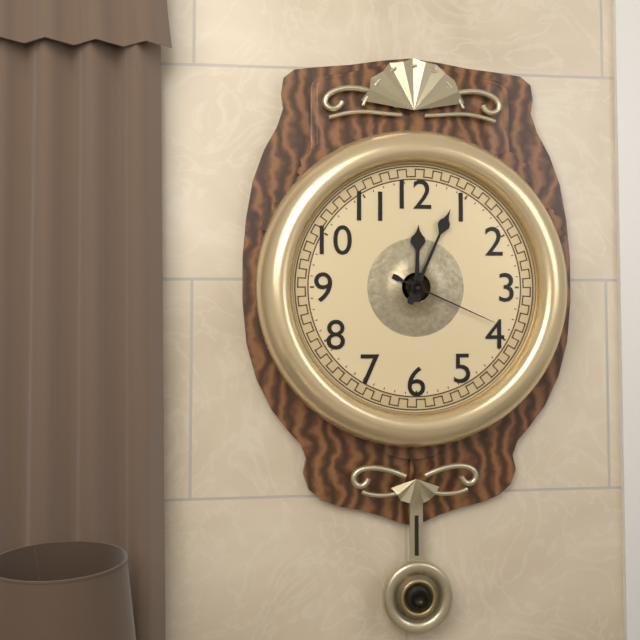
12:04:19
